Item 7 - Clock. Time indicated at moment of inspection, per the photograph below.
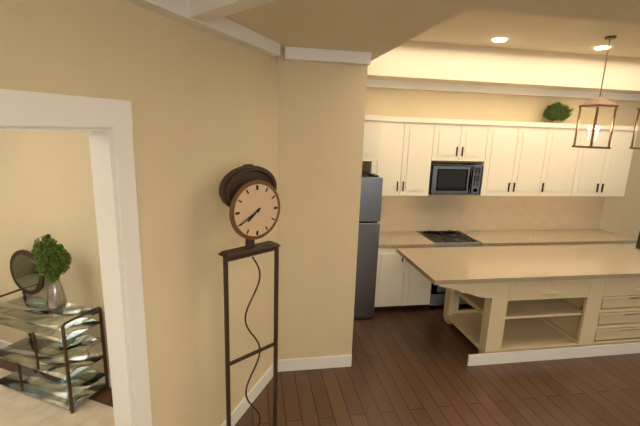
7:40
